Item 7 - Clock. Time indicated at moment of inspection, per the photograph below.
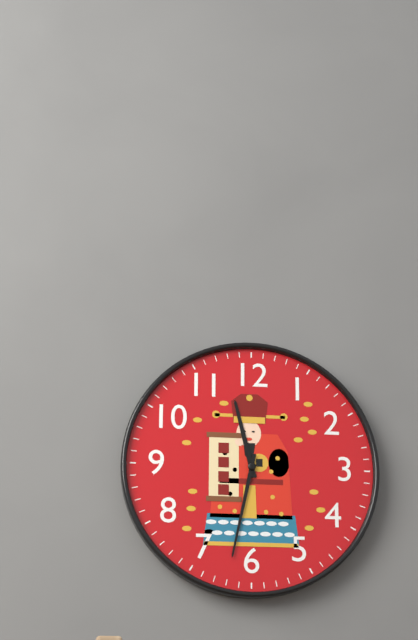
11:32
